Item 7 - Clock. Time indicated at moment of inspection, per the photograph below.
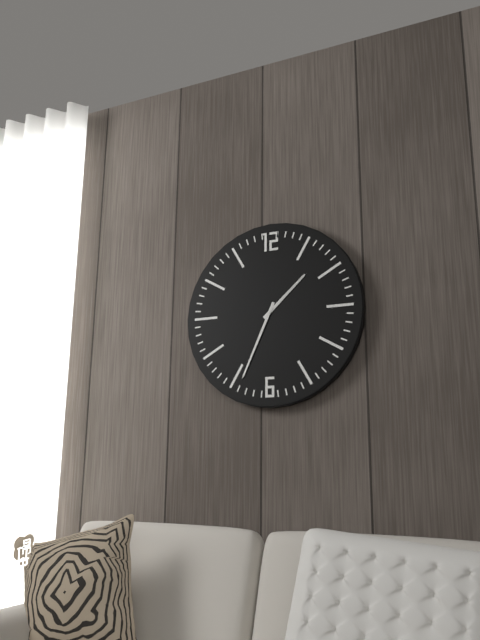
1:34
